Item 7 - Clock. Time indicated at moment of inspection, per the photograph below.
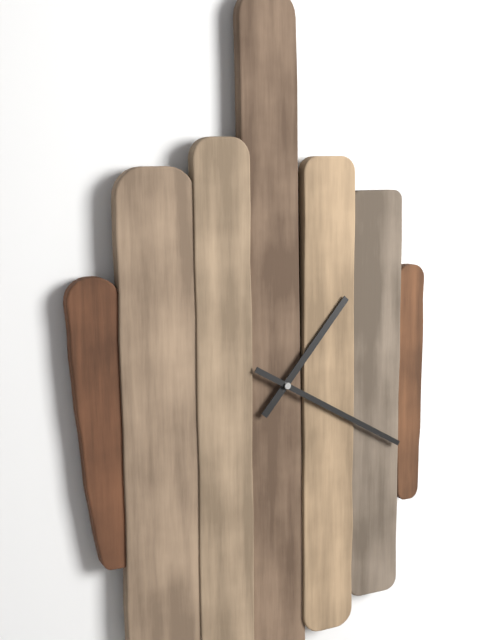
1:20
